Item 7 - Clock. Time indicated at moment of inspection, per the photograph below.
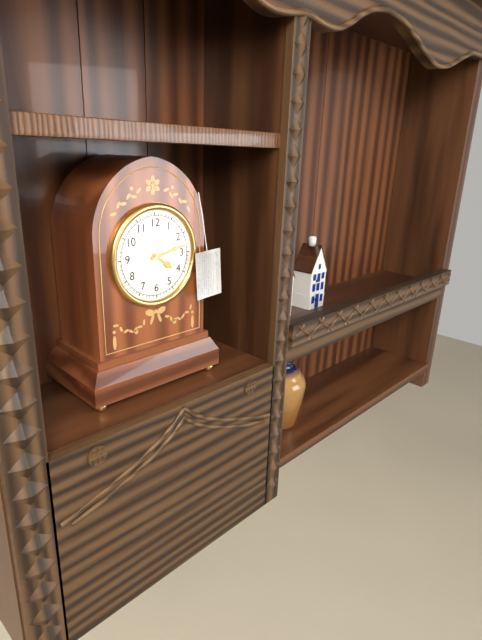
4:13
